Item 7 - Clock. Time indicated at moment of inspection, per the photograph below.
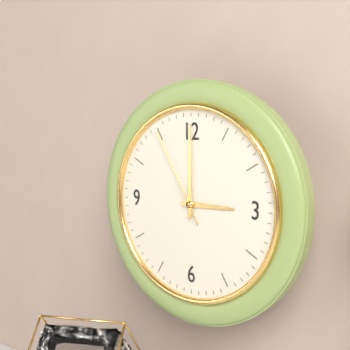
3:00:55
